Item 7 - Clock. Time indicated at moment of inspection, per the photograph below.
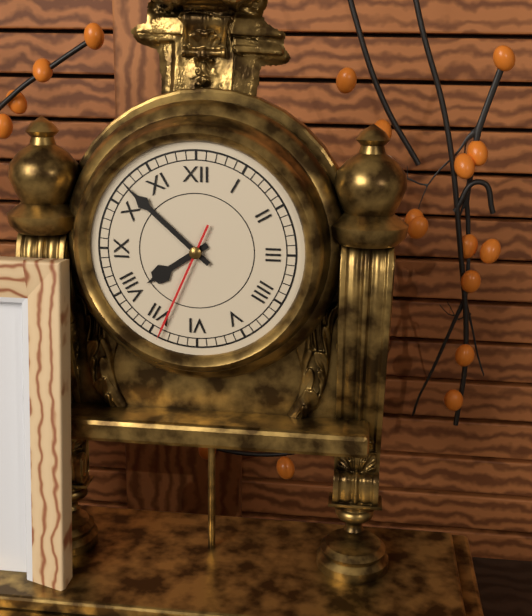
7:52:34
